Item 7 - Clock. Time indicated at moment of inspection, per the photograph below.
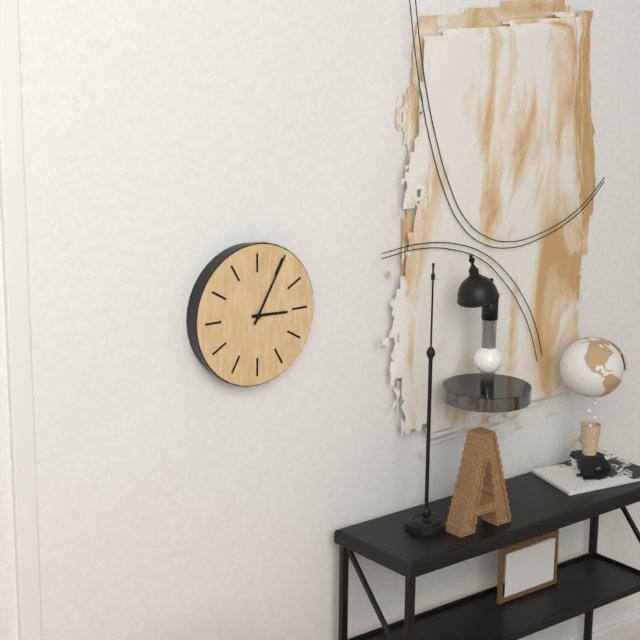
3:05
